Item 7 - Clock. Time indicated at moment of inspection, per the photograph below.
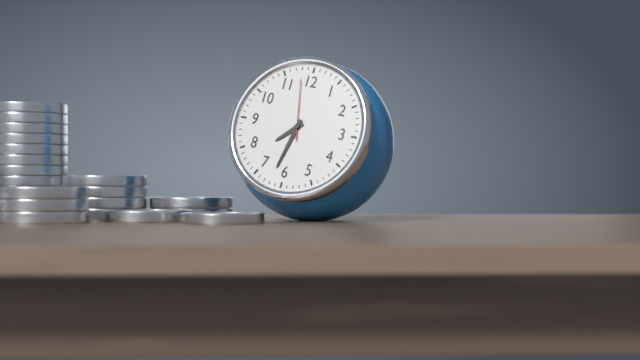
7:32:58
